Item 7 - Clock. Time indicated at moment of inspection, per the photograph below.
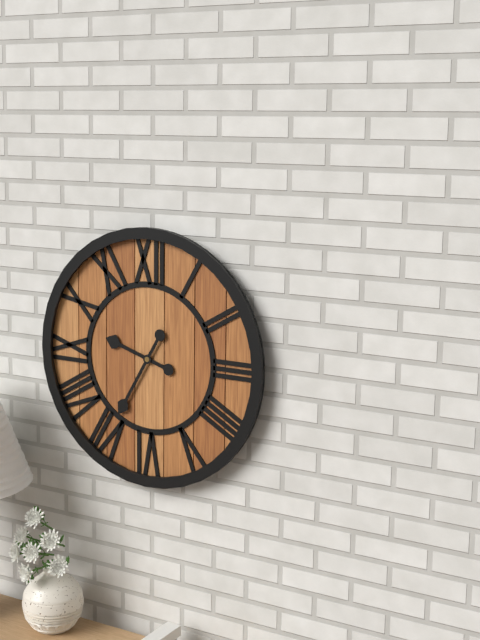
9:35
